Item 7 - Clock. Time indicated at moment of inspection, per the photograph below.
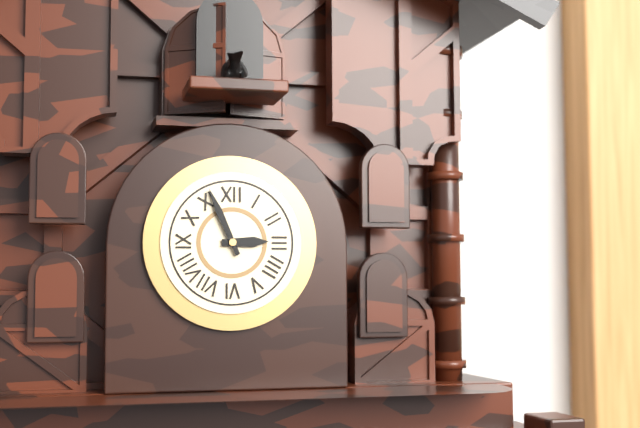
2:56
